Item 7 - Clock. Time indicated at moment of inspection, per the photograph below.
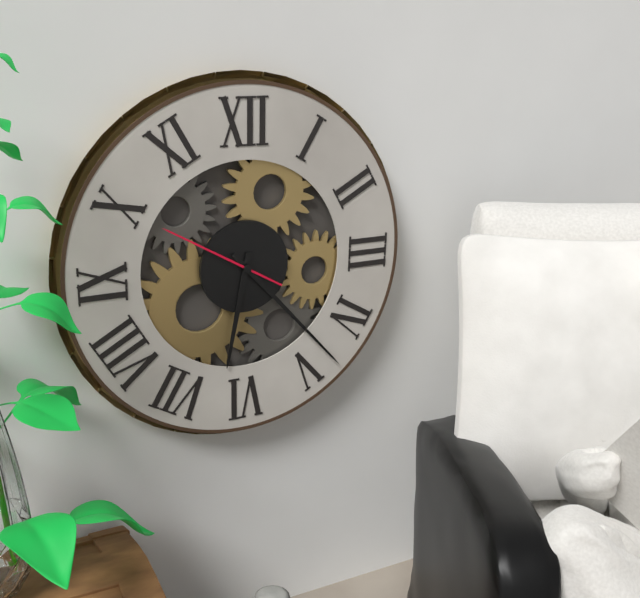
6:23:50
